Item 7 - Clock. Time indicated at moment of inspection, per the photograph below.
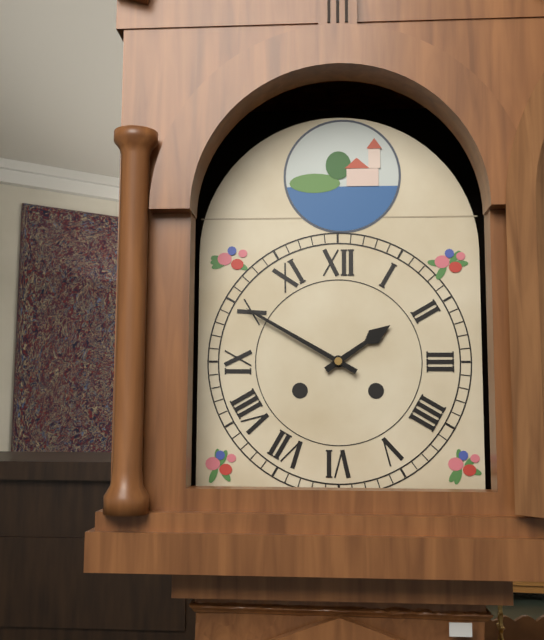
1:50
